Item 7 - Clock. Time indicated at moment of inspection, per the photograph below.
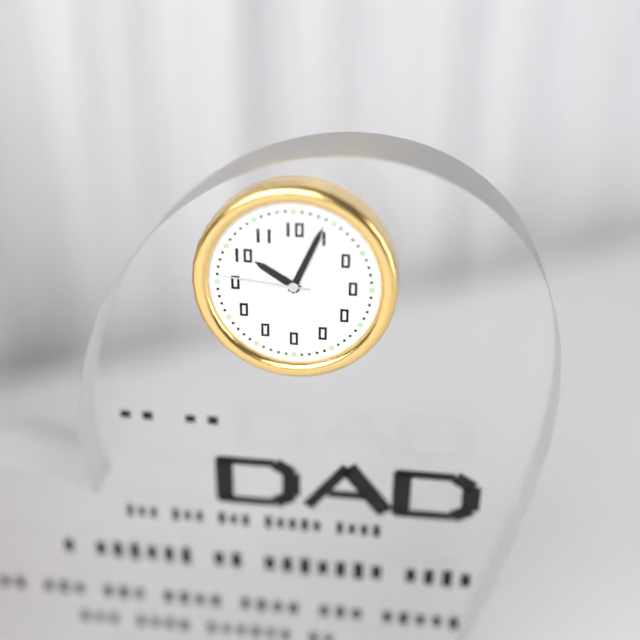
10:04:46
